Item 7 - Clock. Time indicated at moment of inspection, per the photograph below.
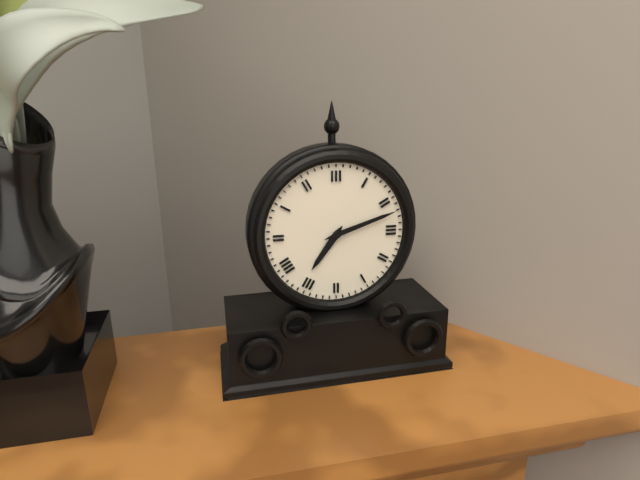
7:12
